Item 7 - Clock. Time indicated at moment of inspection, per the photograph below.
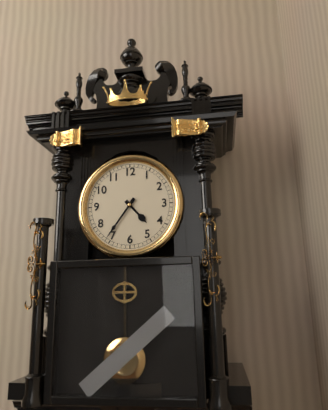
4:36
